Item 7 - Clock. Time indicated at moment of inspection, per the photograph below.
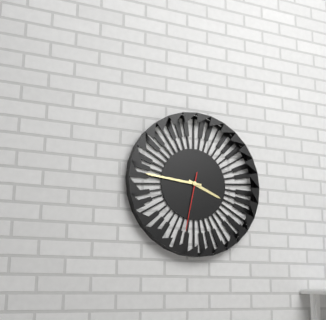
3:46:32
